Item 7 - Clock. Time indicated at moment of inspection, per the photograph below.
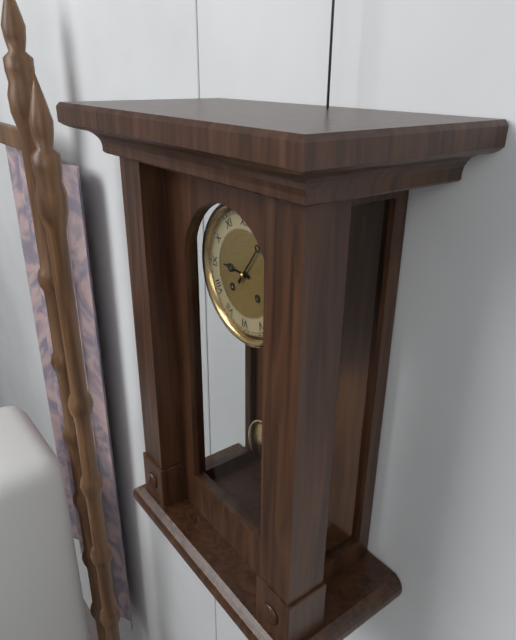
9:06
